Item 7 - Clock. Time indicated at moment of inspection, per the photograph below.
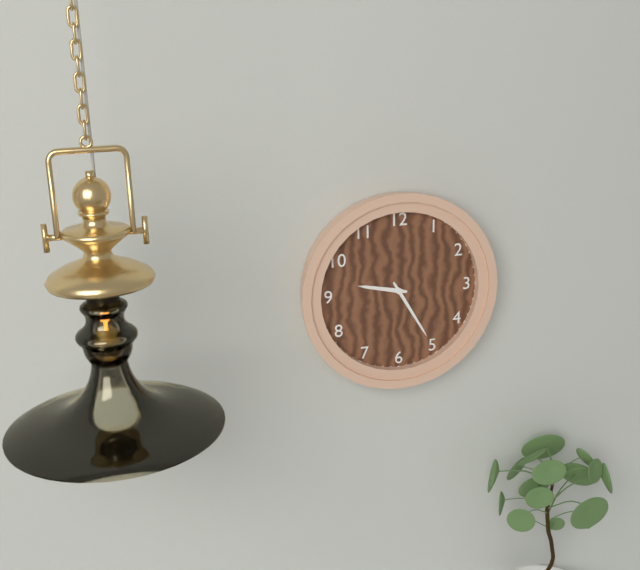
9:25
